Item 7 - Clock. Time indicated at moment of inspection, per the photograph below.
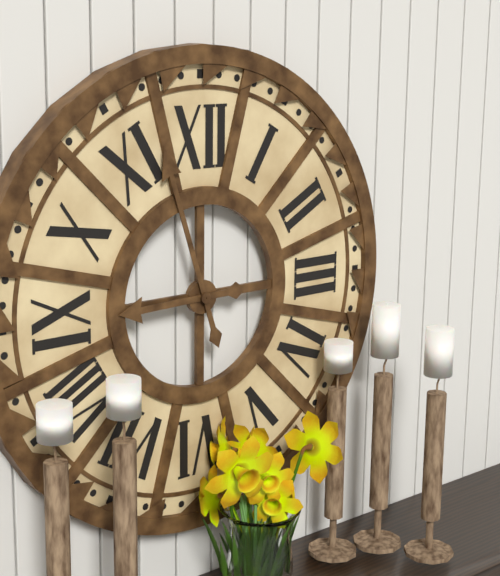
8:57
